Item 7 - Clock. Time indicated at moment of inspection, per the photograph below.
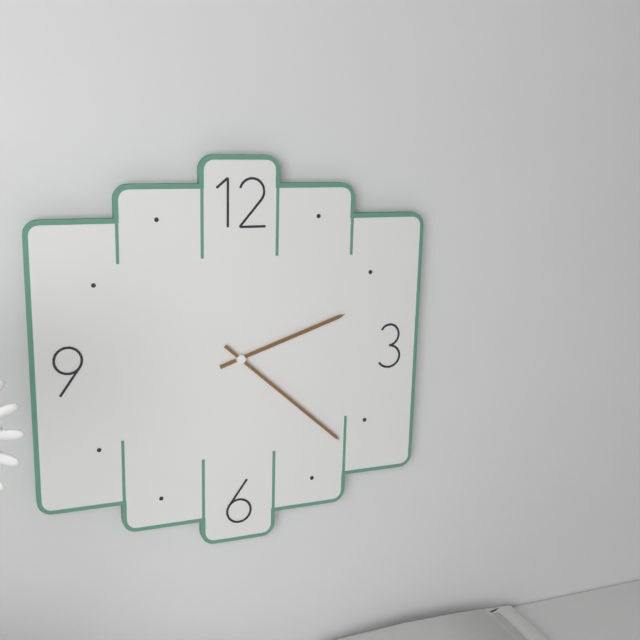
2:22
